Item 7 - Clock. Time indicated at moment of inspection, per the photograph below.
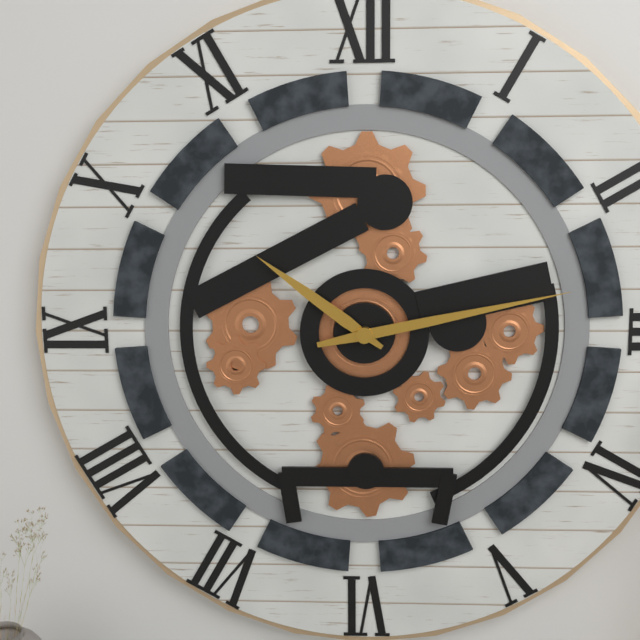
10:13
